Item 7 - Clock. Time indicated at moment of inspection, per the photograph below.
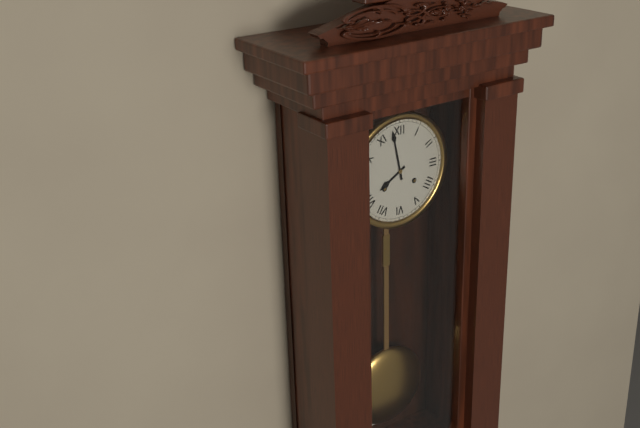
7:58
